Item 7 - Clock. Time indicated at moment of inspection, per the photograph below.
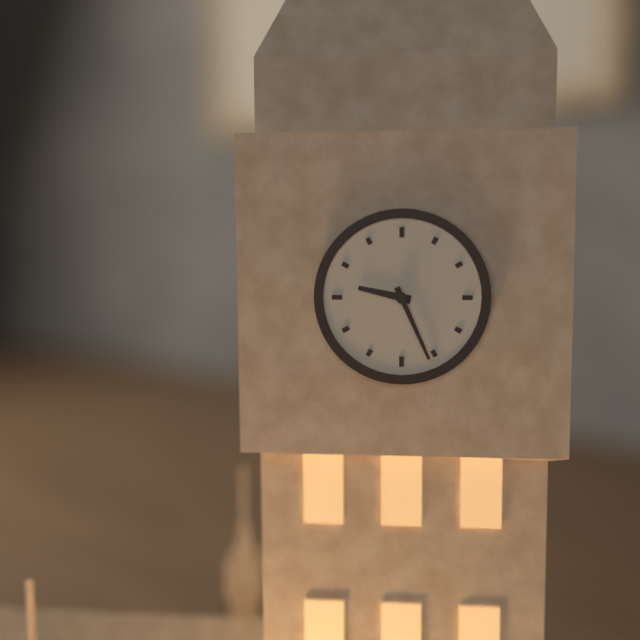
9:26
